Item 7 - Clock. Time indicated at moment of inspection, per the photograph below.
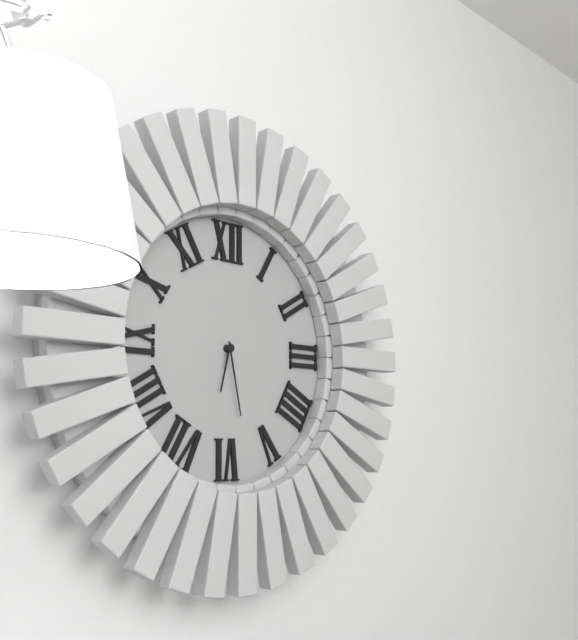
6:28
